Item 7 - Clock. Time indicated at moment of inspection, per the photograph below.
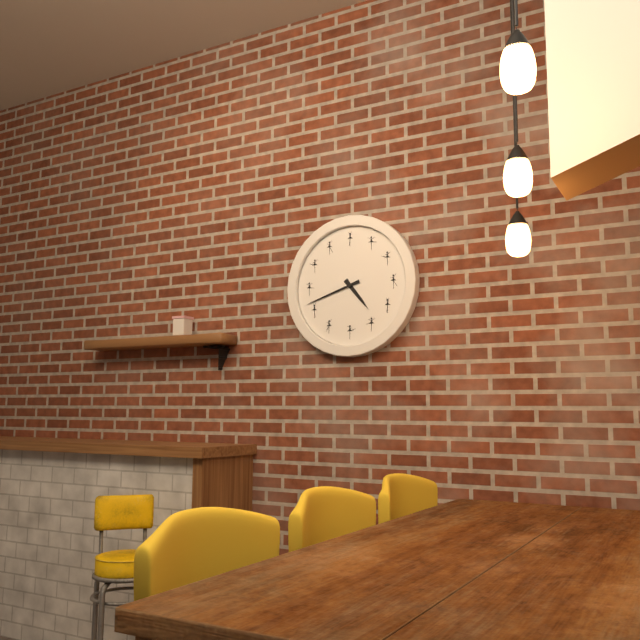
4:42
